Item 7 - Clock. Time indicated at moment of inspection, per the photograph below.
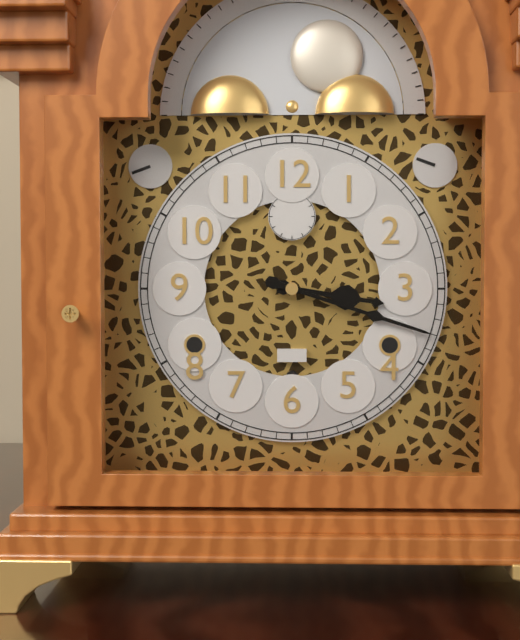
3:18
